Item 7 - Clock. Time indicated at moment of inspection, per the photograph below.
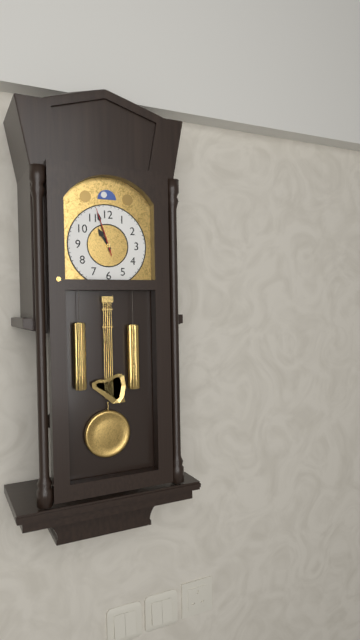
10:57
